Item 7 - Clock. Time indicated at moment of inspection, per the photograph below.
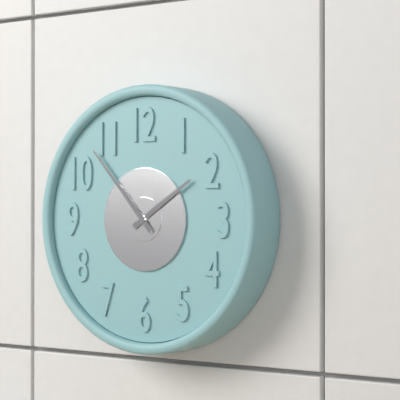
1:53
